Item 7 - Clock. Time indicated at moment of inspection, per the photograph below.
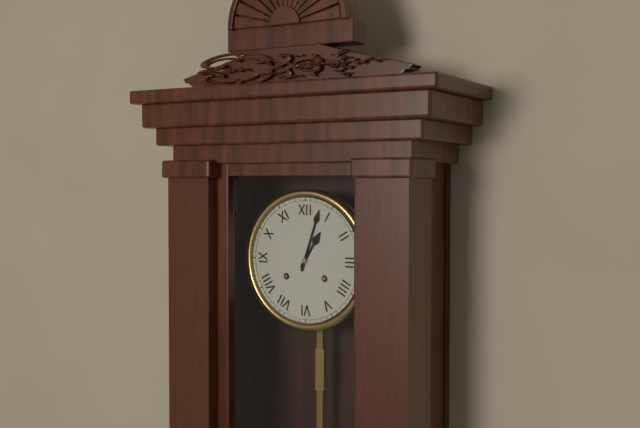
1:03
